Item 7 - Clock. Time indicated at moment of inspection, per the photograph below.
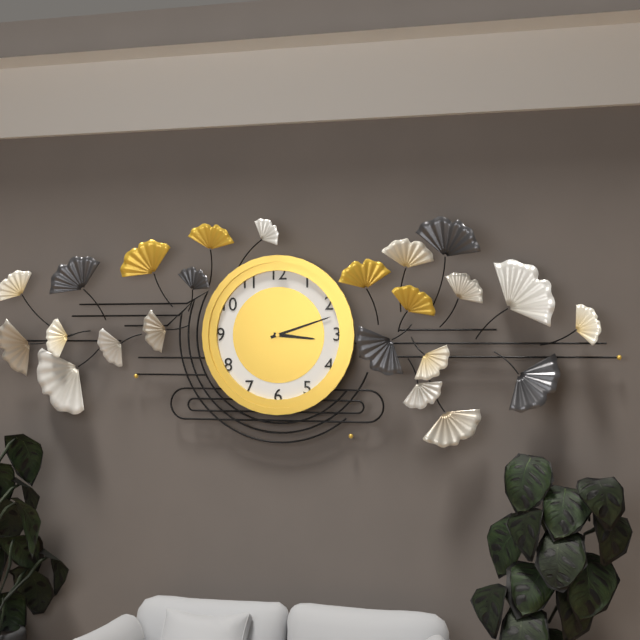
3:12
